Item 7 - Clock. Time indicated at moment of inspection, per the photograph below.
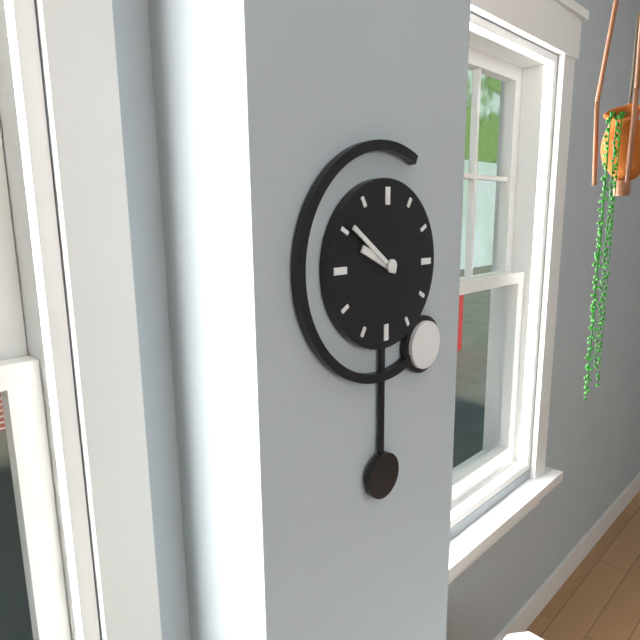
9:51
